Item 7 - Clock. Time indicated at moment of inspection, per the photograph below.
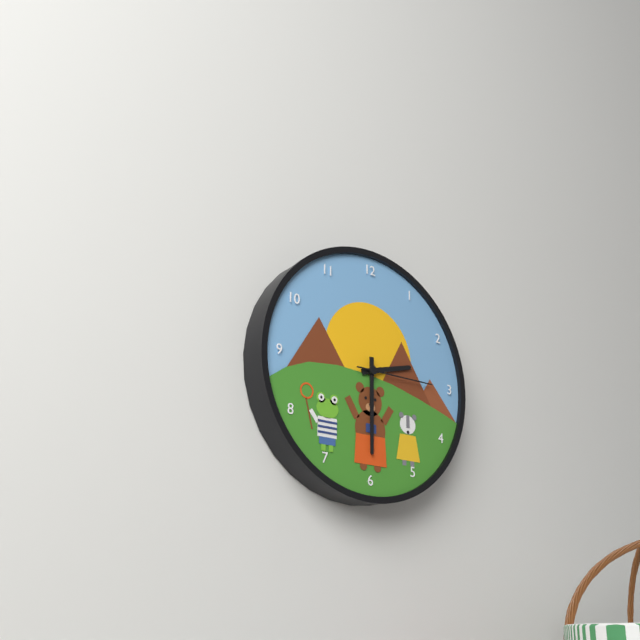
2:30:15
